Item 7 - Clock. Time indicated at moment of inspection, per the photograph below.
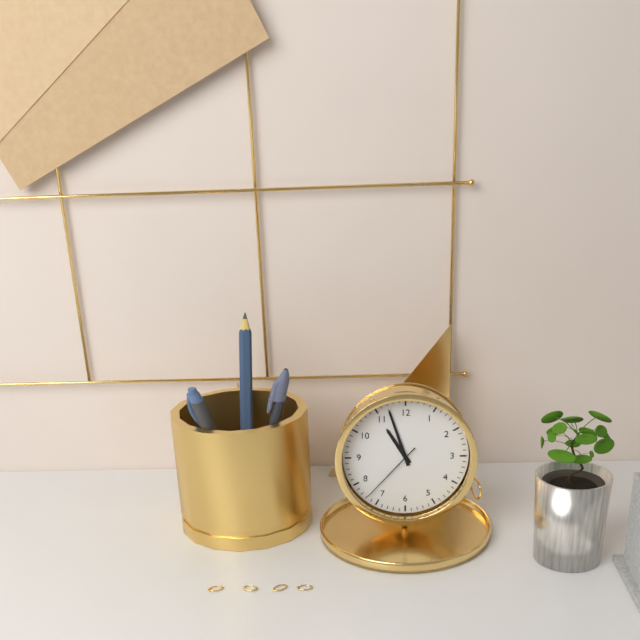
10:57:37
